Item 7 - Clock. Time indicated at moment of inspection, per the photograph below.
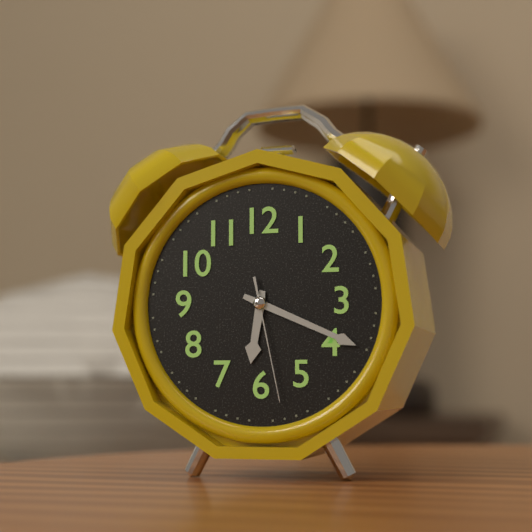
6:19:28
